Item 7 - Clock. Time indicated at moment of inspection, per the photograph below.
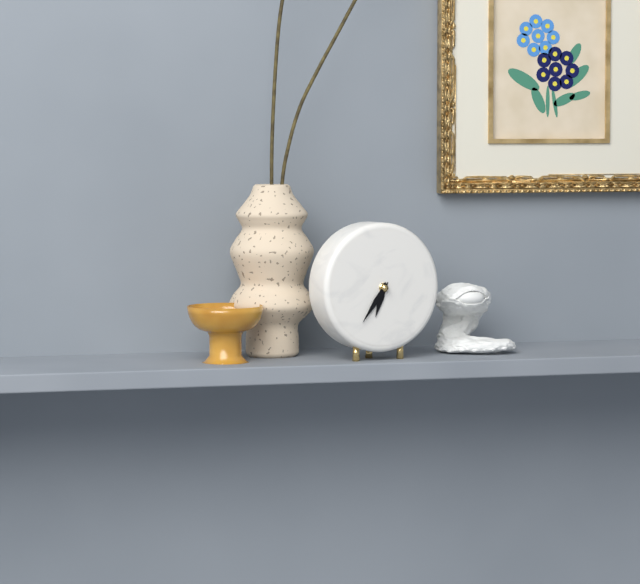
6:36
